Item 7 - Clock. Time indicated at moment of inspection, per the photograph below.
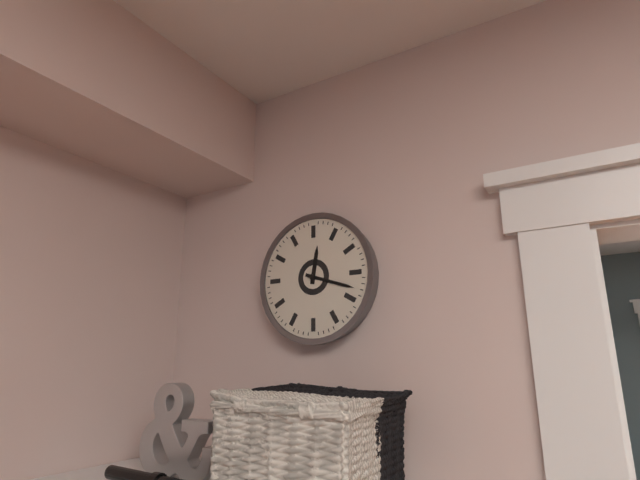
12:18
